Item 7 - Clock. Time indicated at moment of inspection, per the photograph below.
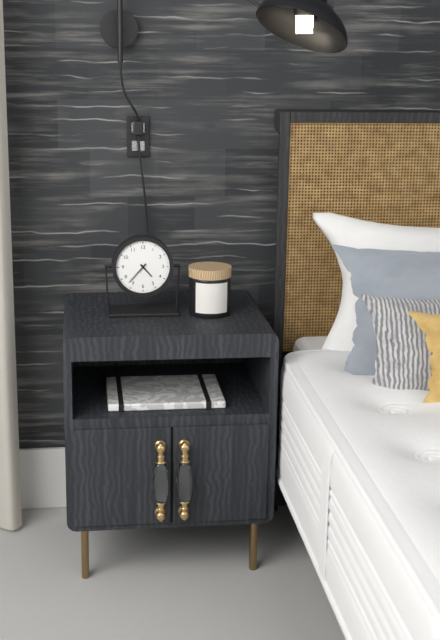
4:37
